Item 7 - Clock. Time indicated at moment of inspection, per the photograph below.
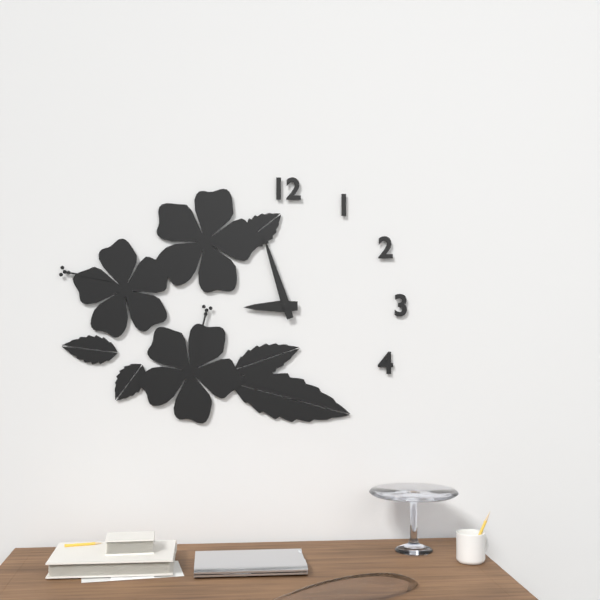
8:57
